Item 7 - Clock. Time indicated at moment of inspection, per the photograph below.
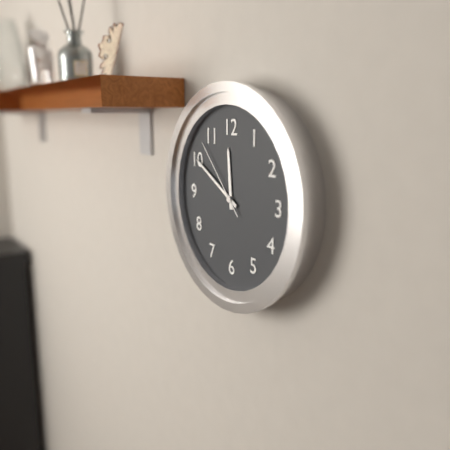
11:50:53
